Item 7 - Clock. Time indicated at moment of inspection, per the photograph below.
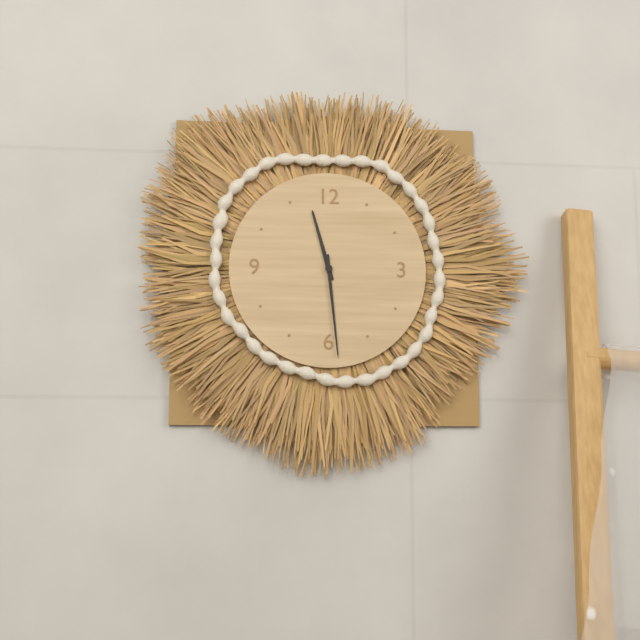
11:29
